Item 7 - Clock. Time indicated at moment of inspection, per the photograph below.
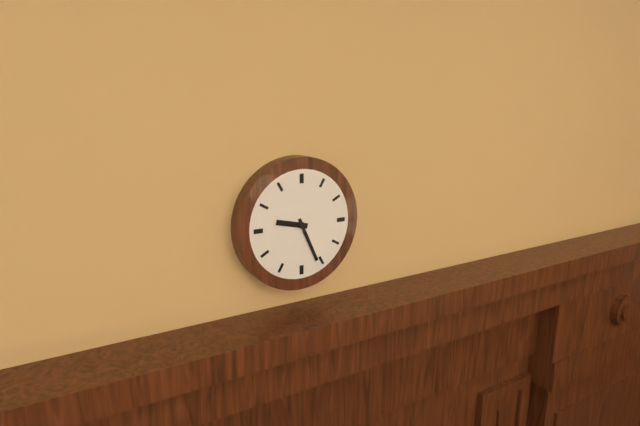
9:26
